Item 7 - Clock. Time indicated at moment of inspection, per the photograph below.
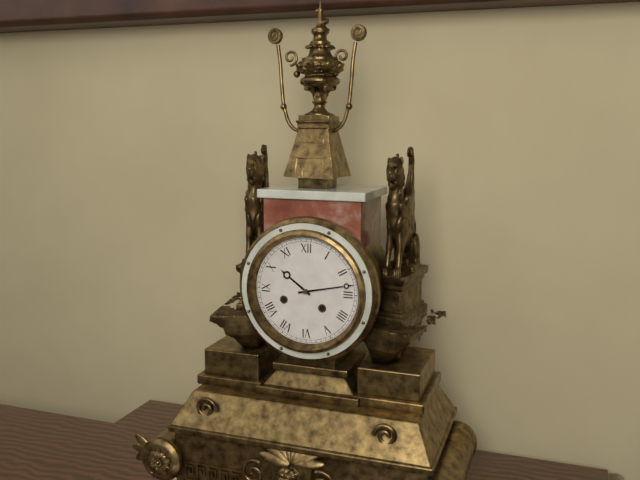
10:13
